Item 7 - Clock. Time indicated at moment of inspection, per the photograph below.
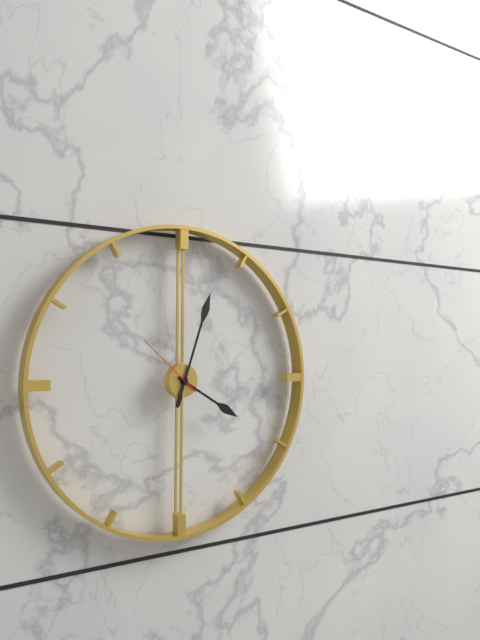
4:03:52
